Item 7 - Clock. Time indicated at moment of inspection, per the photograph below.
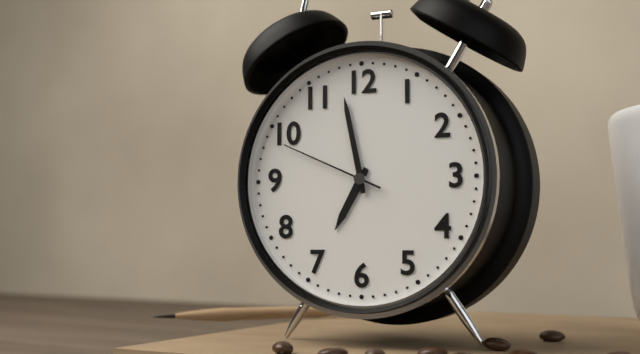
6:58:49
